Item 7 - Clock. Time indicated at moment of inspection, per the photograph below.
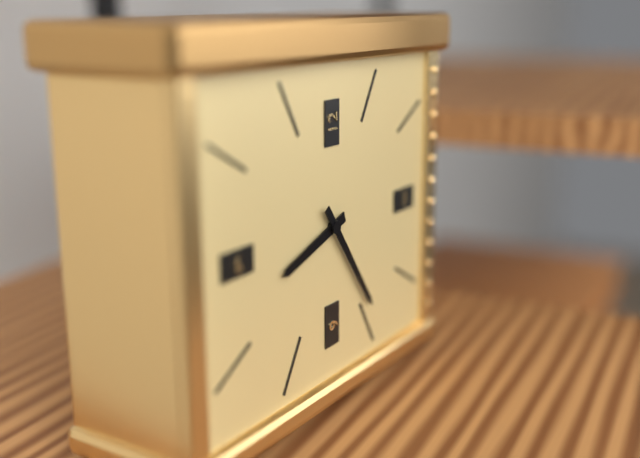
8:24
